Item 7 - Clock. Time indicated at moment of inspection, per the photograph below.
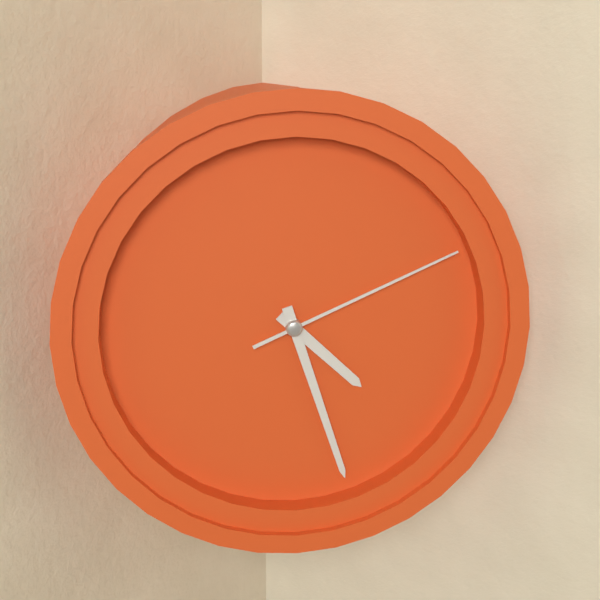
4:27:11
